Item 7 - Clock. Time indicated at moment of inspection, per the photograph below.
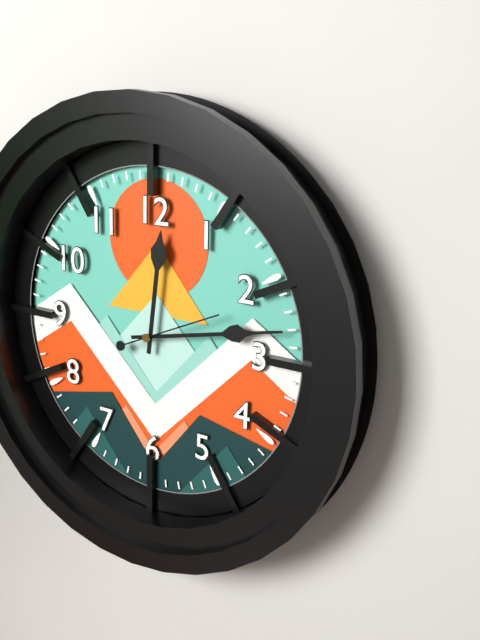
12:13:11
